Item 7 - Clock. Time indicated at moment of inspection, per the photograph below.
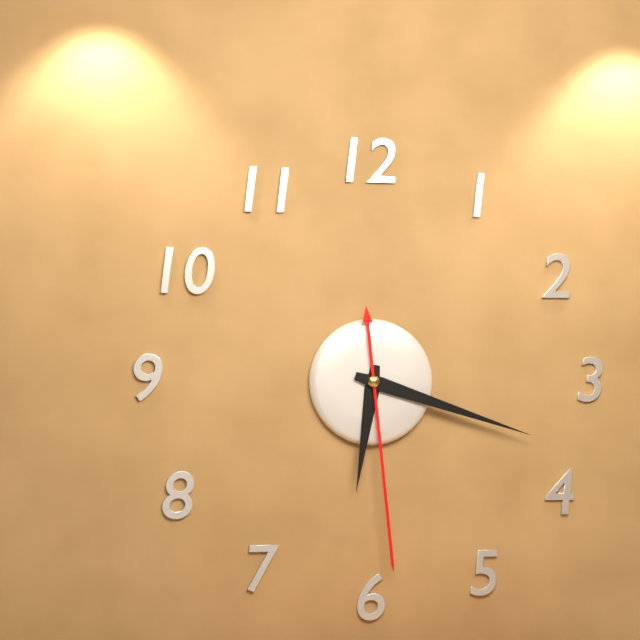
6:18:29
